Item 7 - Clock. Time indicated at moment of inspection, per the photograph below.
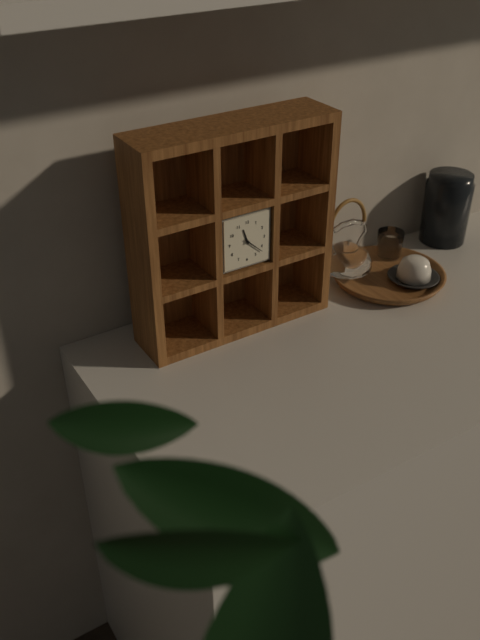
11:22
